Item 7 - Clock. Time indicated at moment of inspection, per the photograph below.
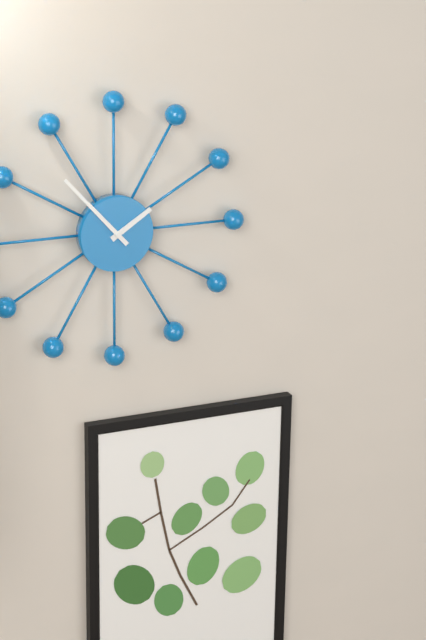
1:53
